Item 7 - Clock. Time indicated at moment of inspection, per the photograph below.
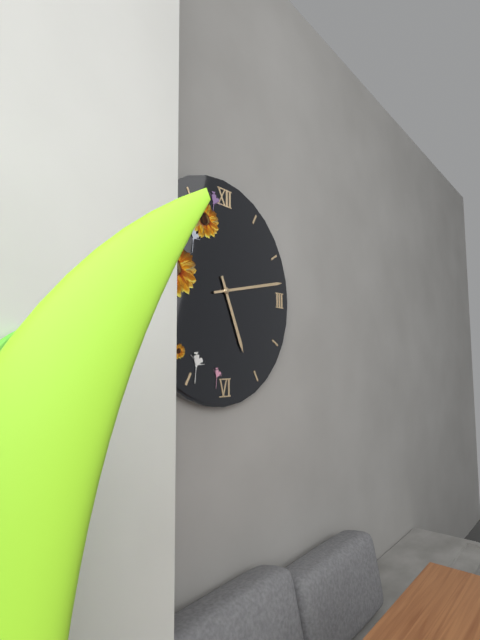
5:13
